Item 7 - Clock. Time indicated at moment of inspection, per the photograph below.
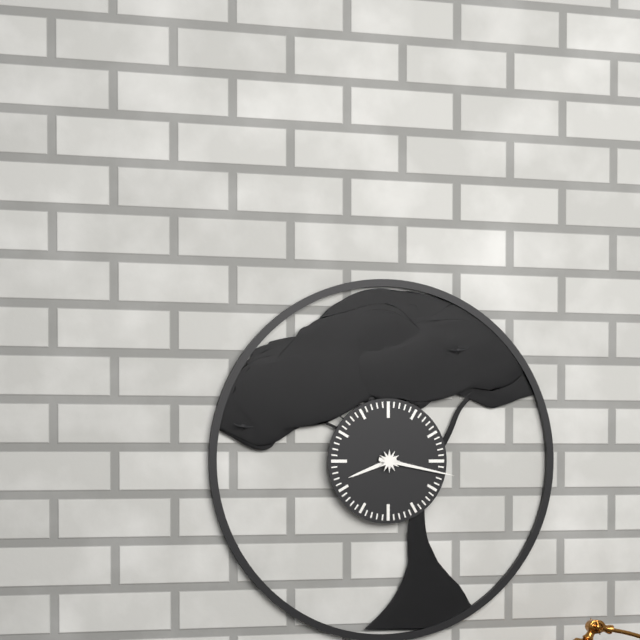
8:17
